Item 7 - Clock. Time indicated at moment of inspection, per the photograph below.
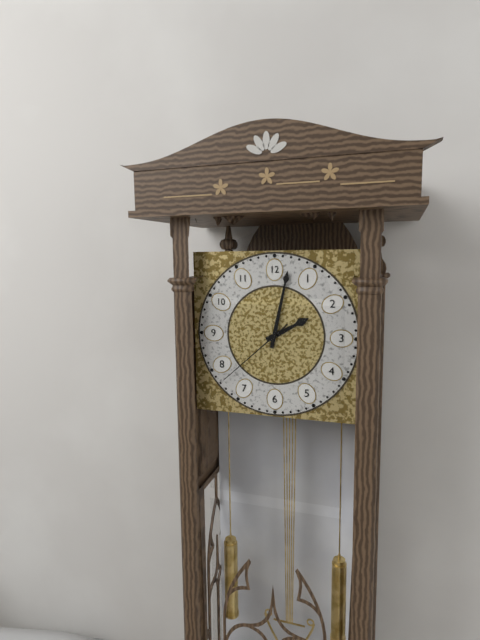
2:02:38
